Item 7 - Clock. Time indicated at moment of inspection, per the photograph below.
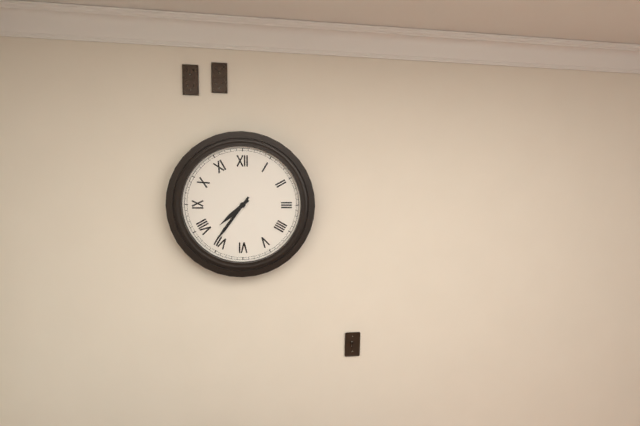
7:36
